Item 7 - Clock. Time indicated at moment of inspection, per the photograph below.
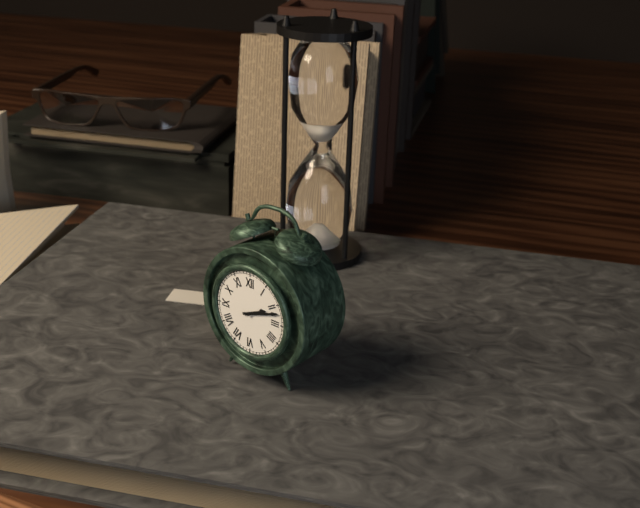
2:12
